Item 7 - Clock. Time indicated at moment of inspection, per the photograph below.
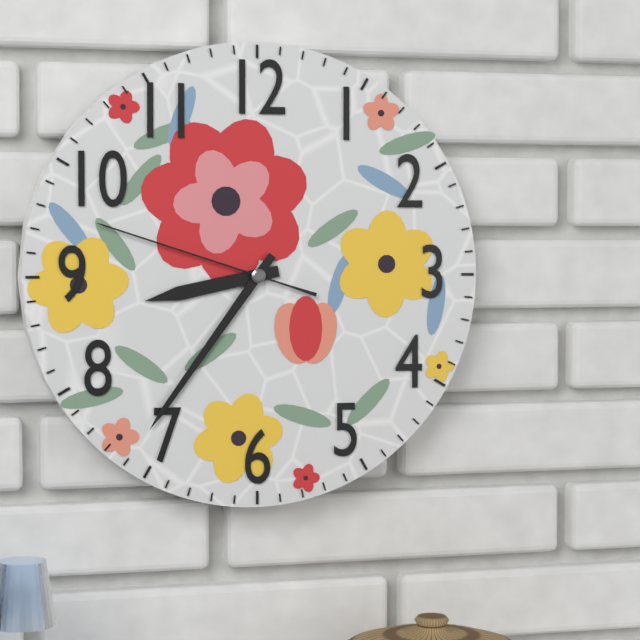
8:36:48
